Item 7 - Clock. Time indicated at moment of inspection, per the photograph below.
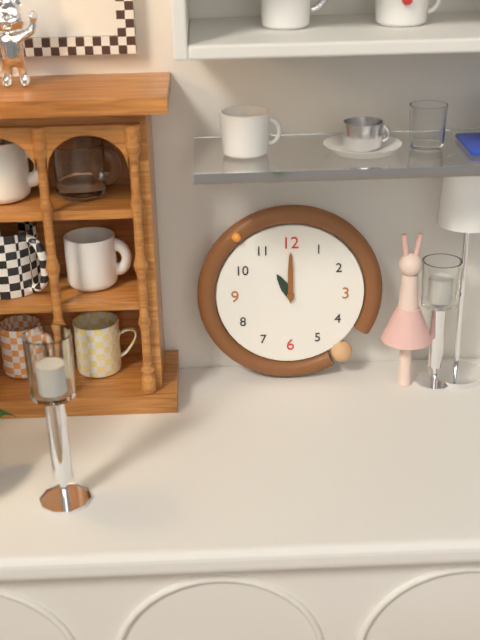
11:00
